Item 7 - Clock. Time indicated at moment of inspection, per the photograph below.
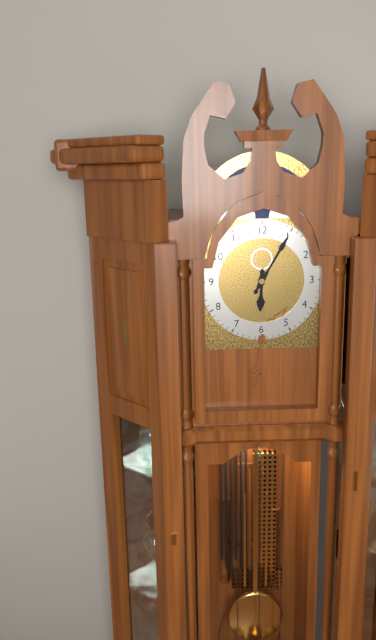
6:05
